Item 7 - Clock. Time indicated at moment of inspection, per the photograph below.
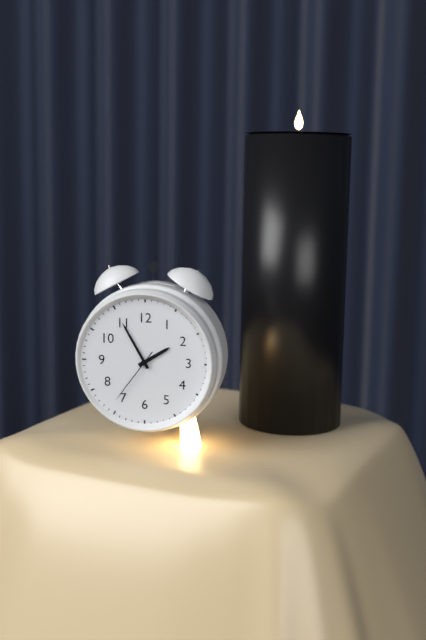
1:55:36
